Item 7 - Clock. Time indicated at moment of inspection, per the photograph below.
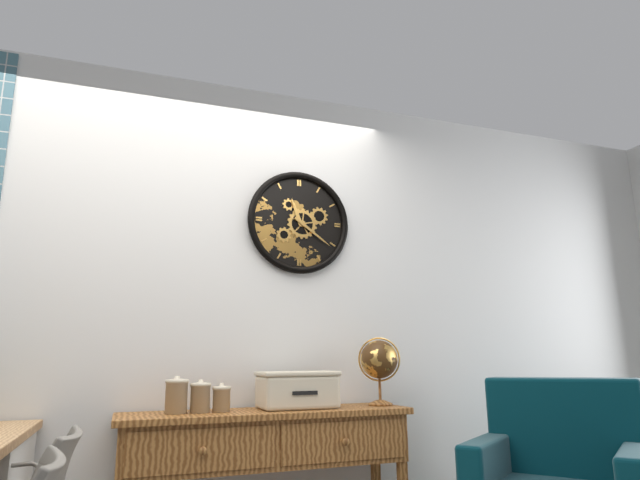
11:21
